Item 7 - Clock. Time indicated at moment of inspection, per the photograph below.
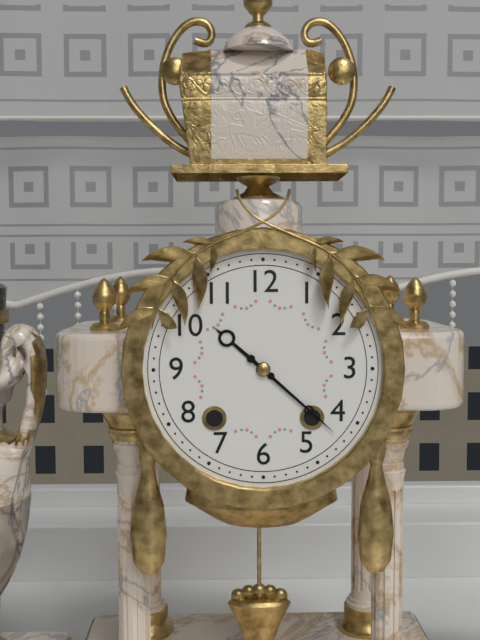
10:22
